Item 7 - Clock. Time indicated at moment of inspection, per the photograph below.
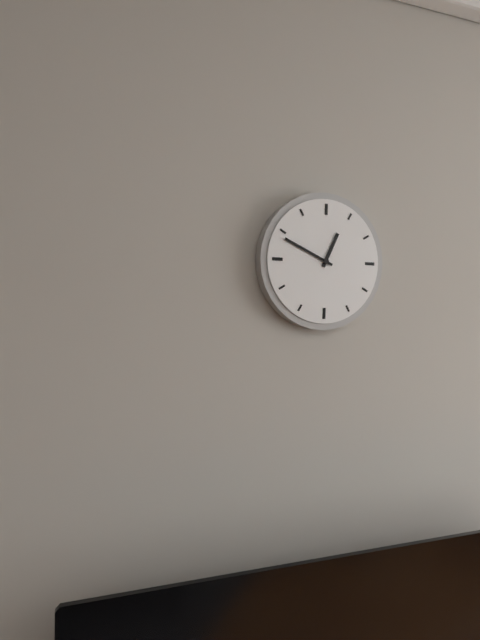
12:49
